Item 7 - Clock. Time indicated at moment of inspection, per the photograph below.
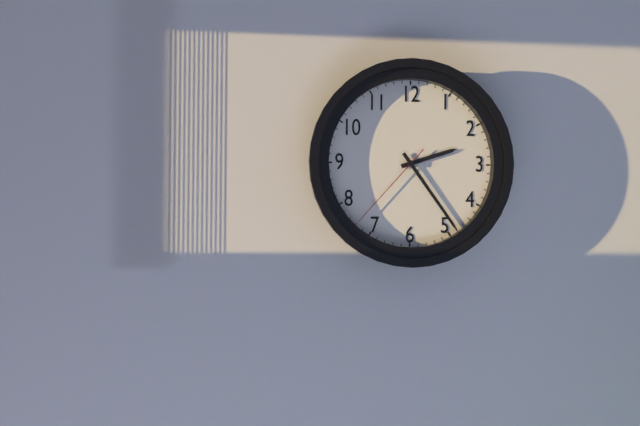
2:24:37
